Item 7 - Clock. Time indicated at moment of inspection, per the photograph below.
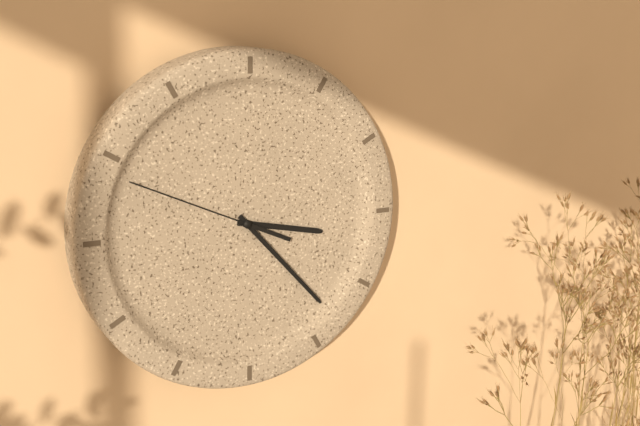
3:23:49
